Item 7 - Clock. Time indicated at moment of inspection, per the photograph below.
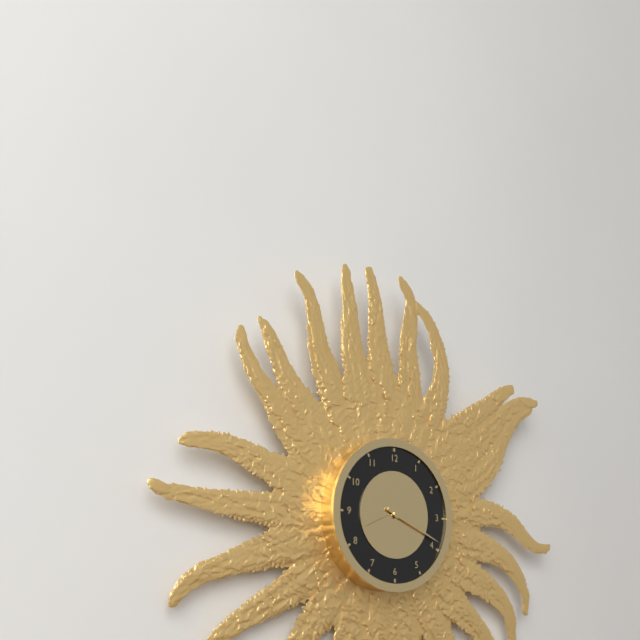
8:19
